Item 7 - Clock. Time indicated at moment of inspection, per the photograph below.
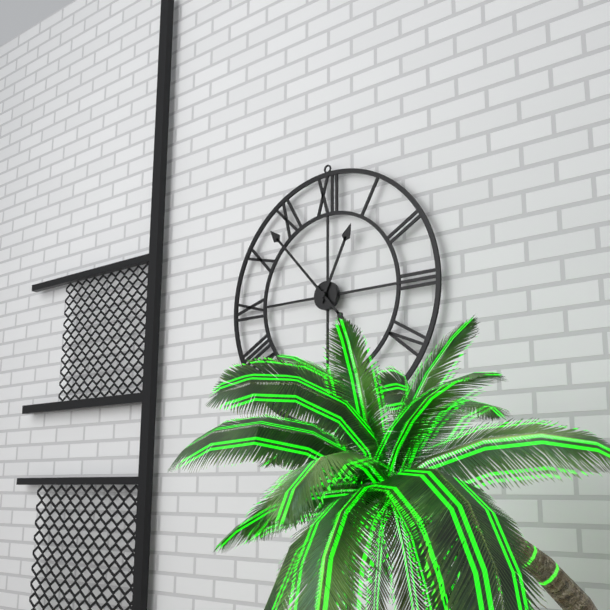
12:53
